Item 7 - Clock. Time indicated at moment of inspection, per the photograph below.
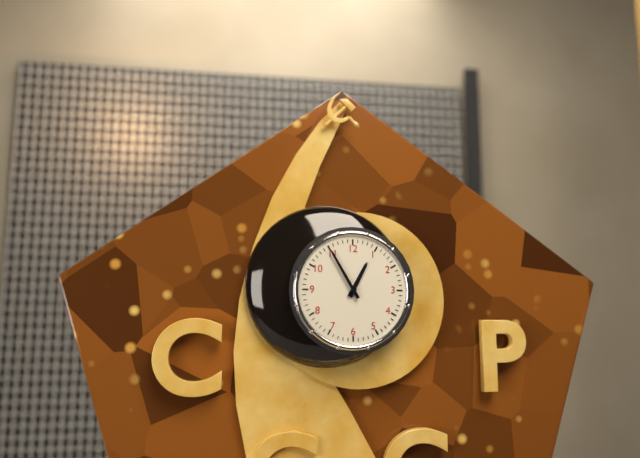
12:55
